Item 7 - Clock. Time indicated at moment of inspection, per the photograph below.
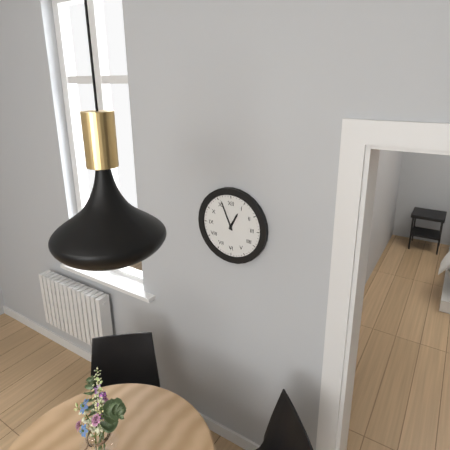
12:56
